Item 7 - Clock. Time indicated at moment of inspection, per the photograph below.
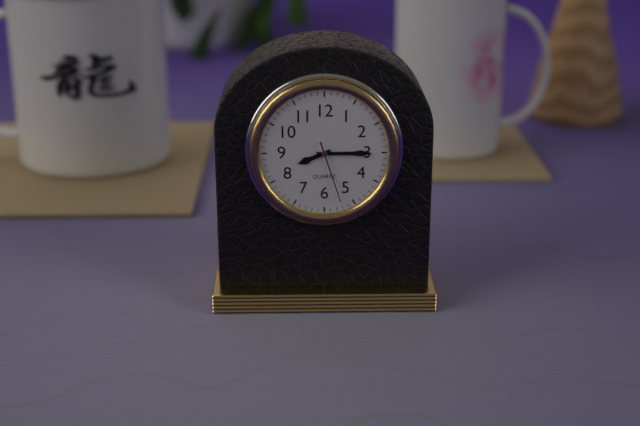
8:15:27
